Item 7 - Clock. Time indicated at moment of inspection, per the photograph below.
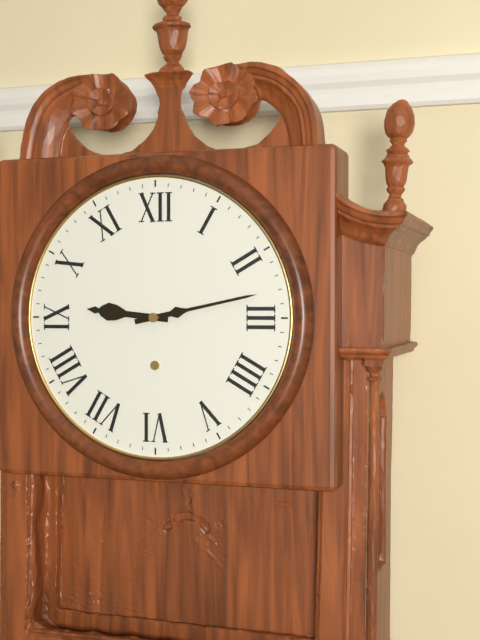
9:13
